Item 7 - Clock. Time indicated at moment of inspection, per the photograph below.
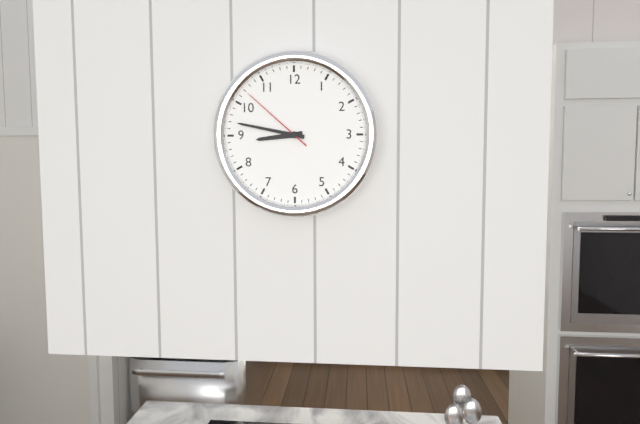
8:47:52
